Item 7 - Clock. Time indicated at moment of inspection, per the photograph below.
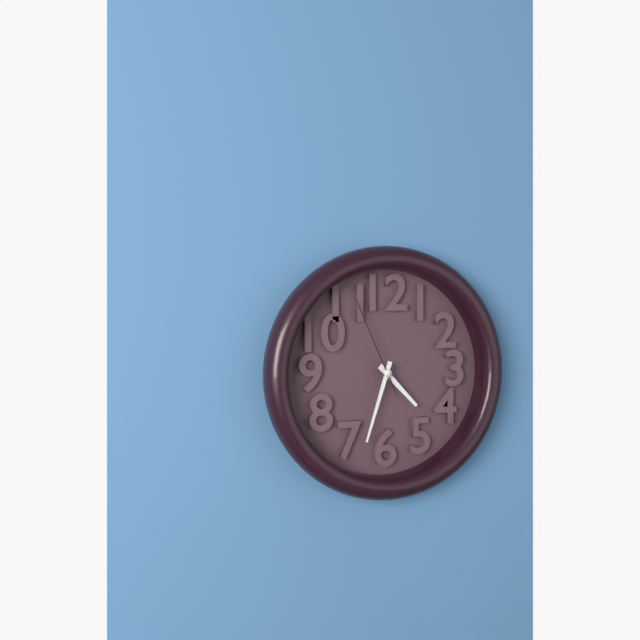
4:33:56
